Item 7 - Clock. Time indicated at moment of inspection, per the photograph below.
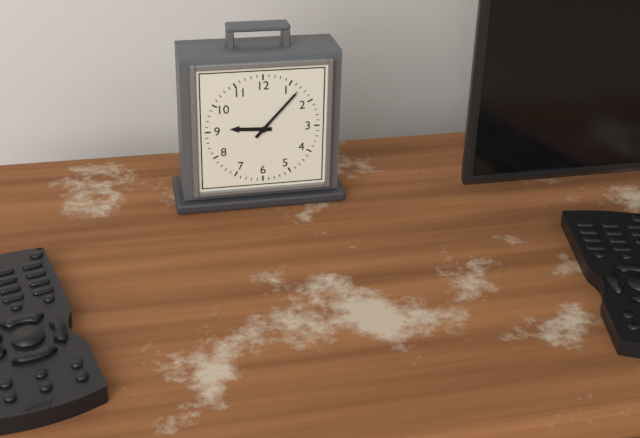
9:07
